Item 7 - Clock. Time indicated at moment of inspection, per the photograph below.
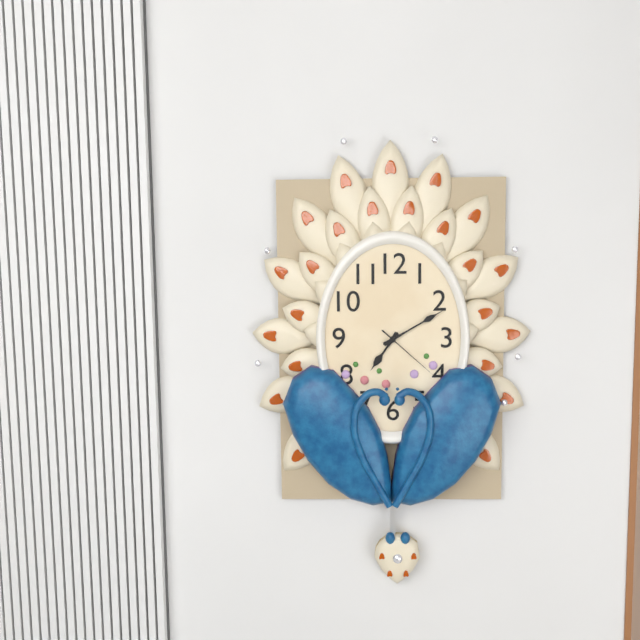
7:10:22
